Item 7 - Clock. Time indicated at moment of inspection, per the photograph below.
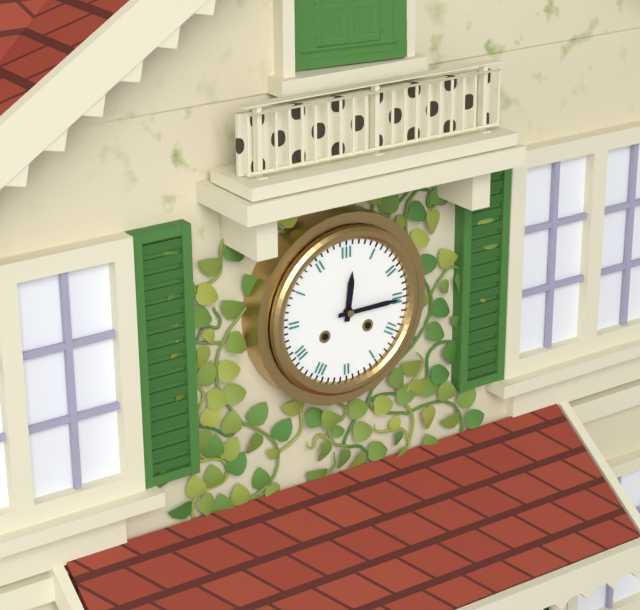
12:15
